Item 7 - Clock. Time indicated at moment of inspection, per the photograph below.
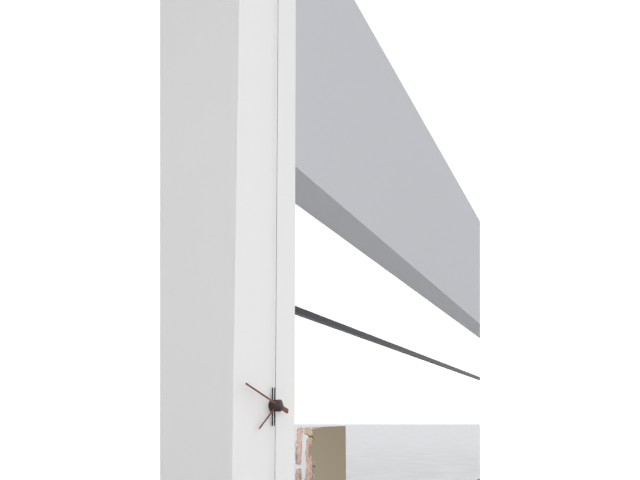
7:48
